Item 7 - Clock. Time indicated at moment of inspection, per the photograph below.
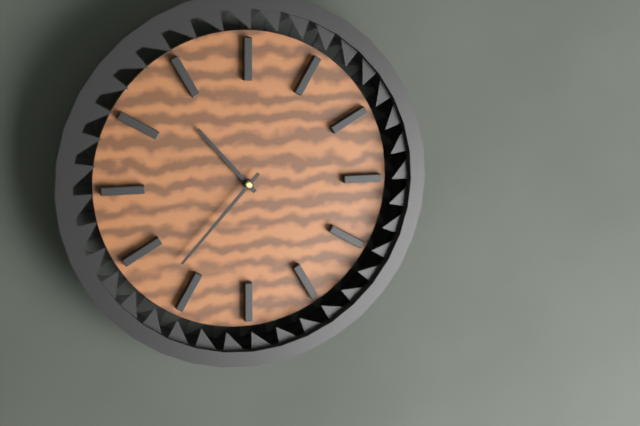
10:37
